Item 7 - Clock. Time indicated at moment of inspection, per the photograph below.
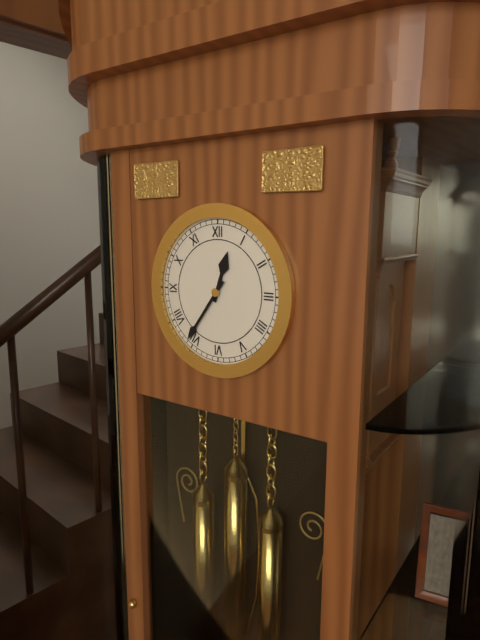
12:36
